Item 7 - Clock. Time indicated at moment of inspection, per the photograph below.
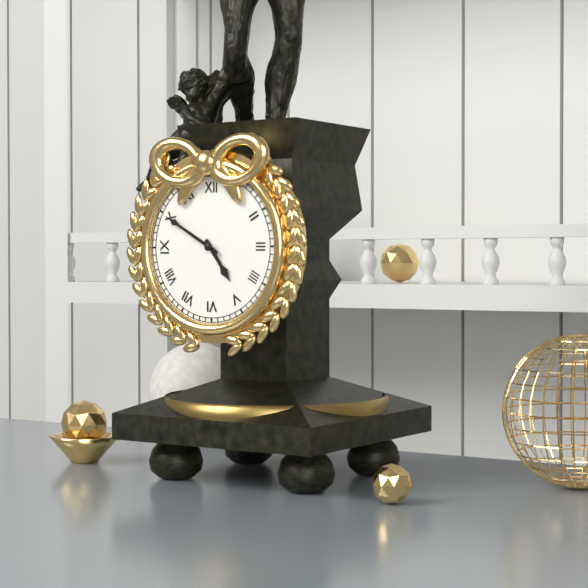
4:50
